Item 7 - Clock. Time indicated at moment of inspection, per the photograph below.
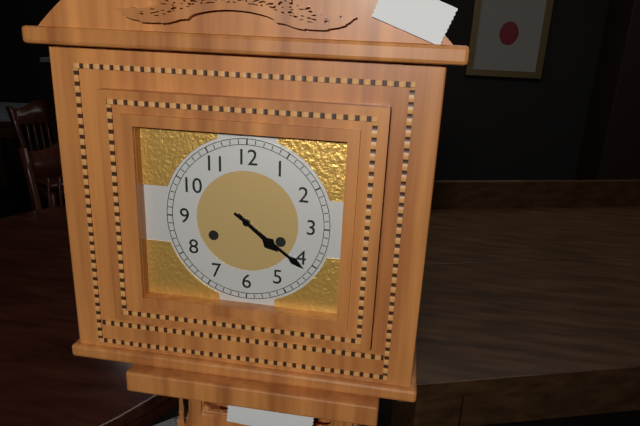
4:21
